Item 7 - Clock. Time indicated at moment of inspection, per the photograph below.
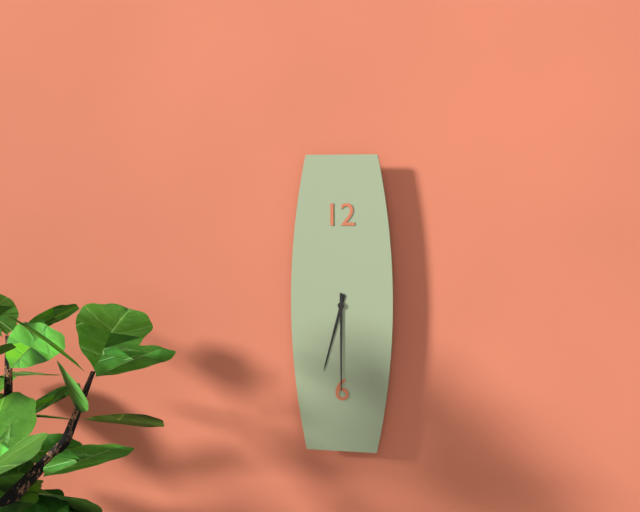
6:30
